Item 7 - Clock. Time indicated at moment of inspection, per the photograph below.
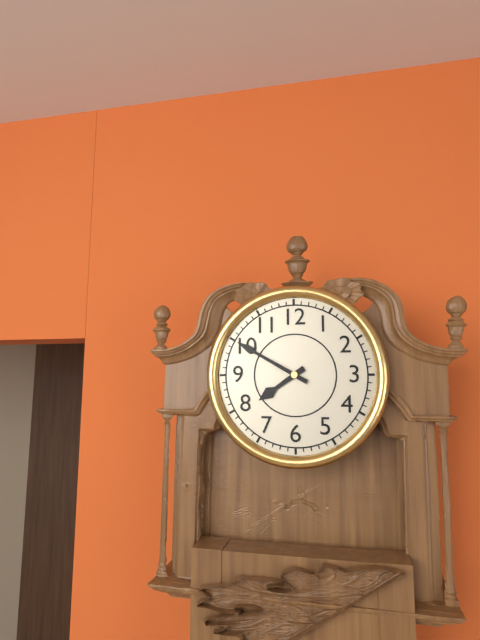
7:50
